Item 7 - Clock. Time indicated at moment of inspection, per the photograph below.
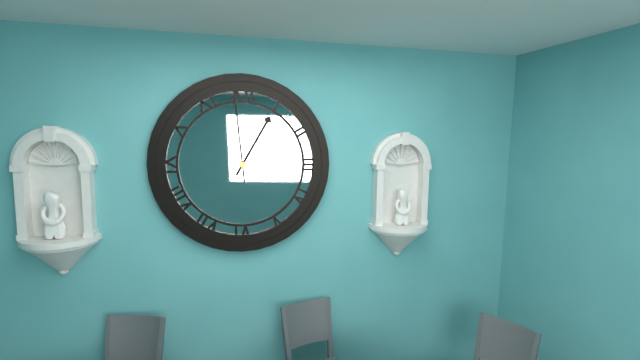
12:59
